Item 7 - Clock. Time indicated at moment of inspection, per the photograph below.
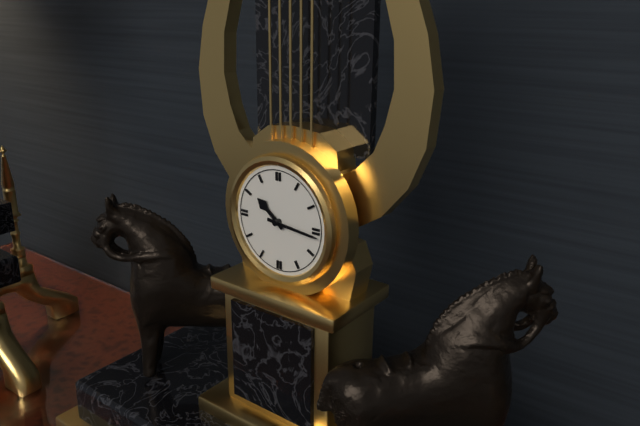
10:16
